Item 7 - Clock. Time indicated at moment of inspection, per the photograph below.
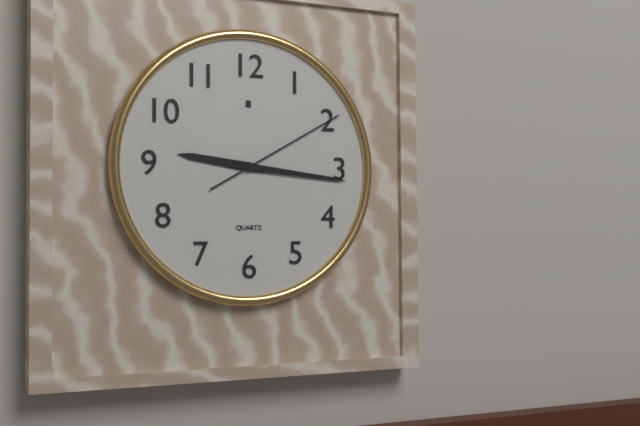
9:16:10
